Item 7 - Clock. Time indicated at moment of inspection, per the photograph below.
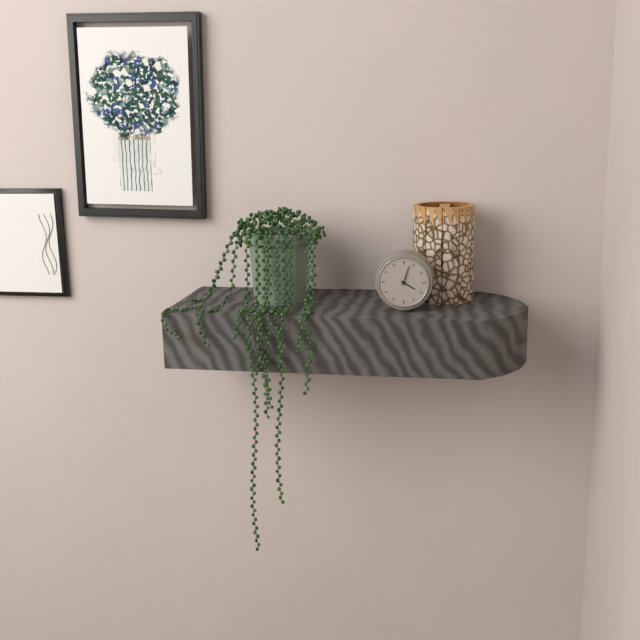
4:03
